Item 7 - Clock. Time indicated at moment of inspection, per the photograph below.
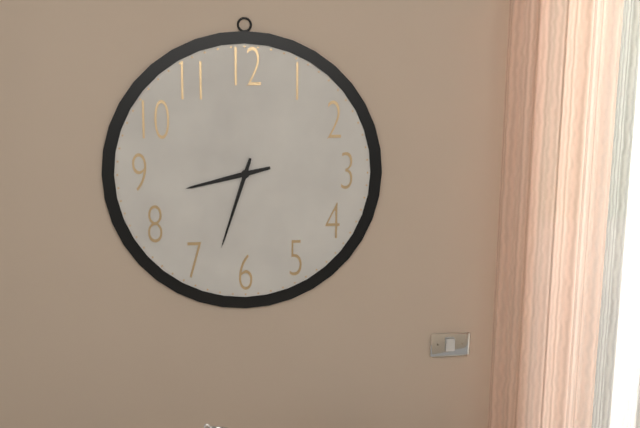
8:33
